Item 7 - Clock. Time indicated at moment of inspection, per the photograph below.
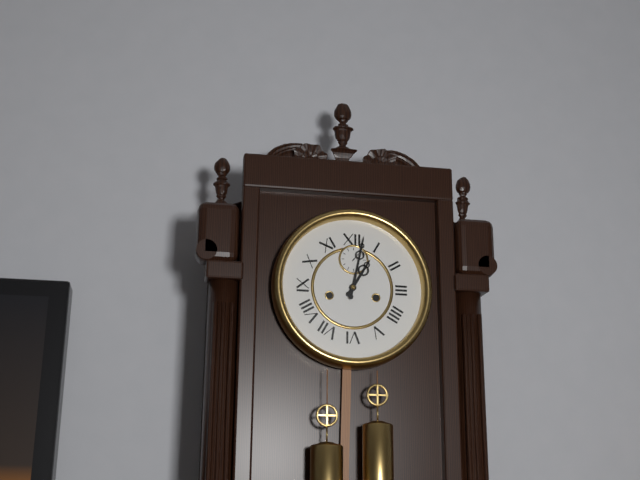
1:02
